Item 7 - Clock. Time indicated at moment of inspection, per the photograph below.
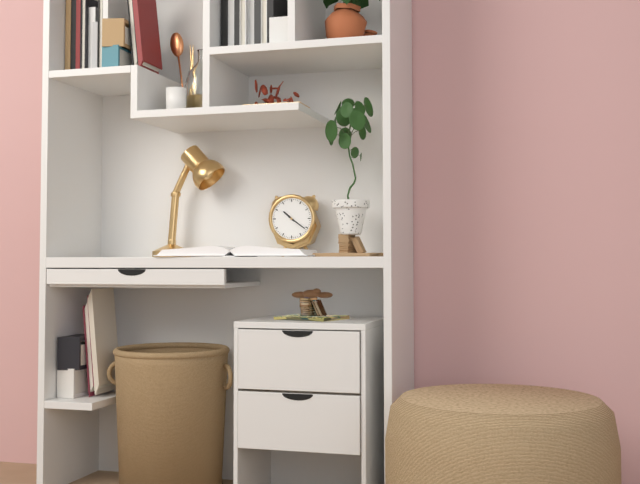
10:21
